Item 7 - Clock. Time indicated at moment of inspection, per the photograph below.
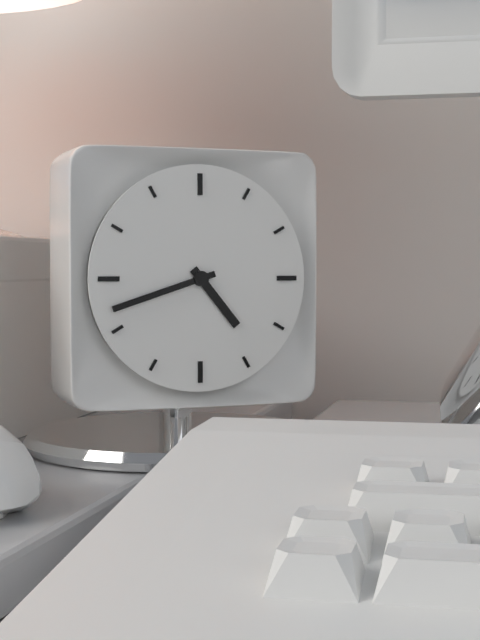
4:42
